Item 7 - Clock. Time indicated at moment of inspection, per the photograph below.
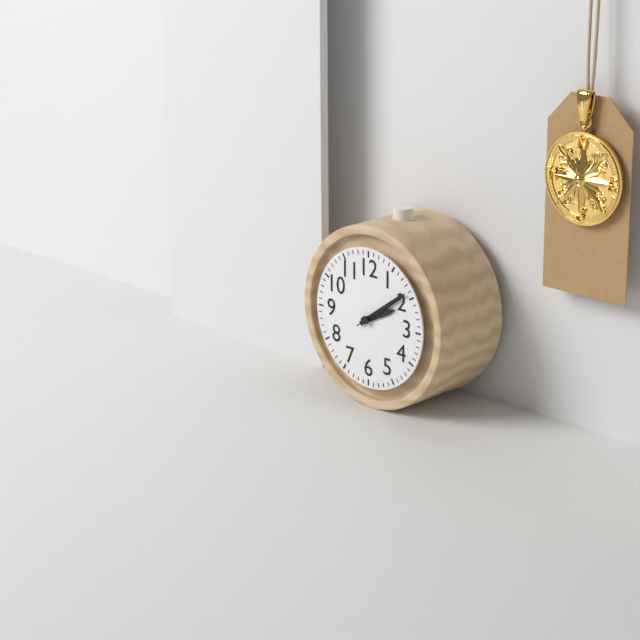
2:09:09
